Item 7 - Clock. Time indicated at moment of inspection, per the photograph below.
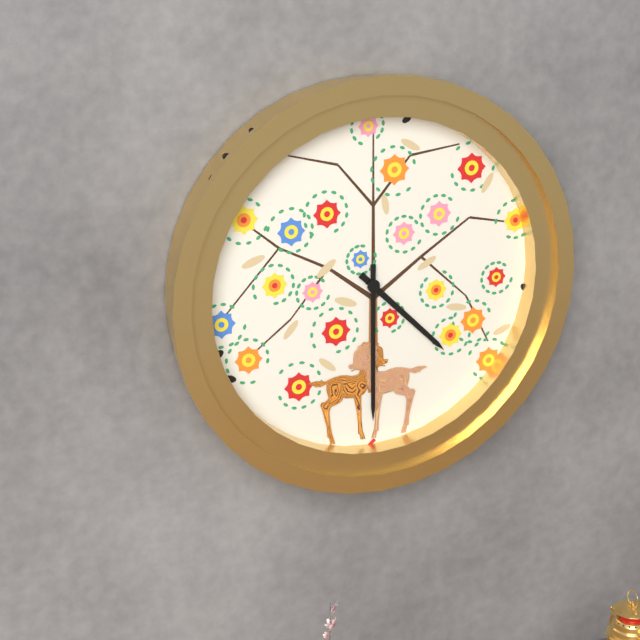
4:30
